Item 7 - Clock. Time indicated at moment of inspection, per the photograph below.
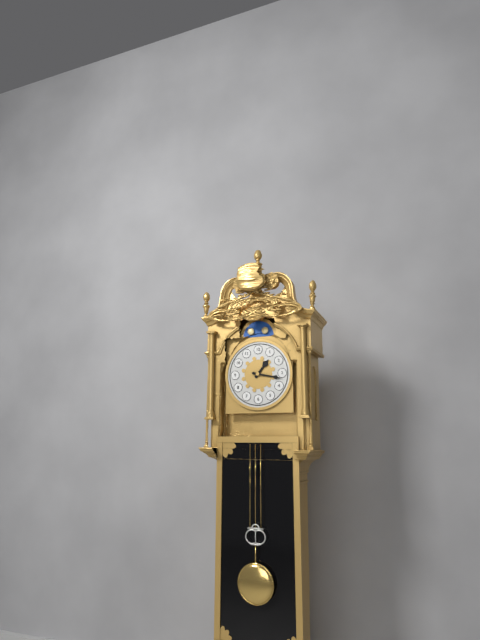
1:17
